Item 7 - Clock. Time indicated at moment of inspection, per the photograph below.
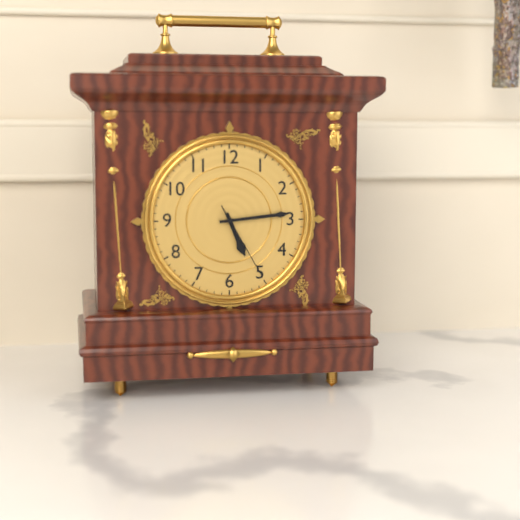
5:14:25
